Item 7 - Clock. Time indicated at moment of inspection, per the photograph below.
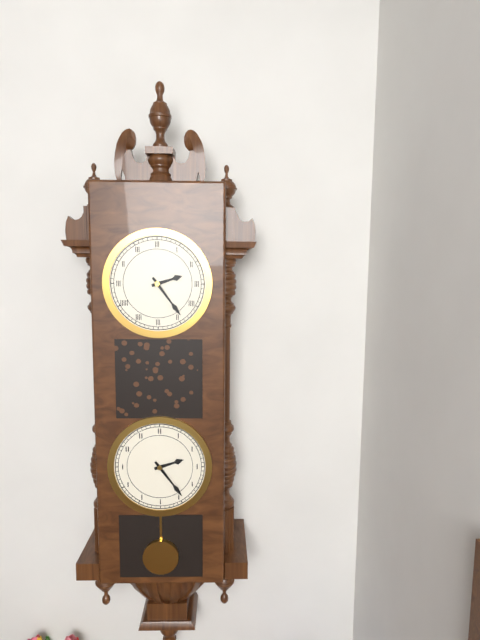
2:24
